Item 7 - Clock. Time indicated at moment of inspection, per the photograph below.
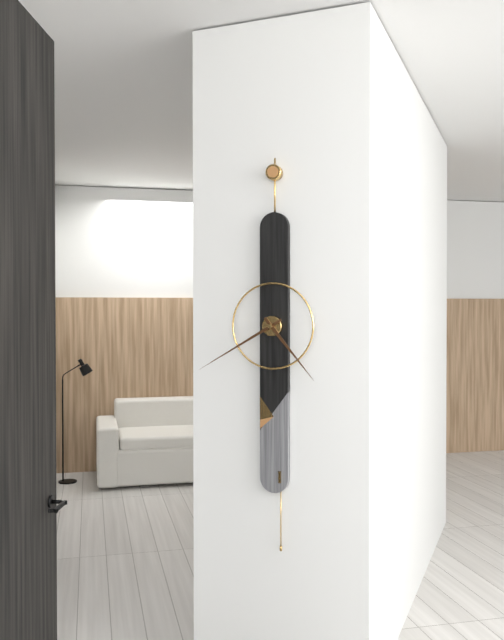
4:40
